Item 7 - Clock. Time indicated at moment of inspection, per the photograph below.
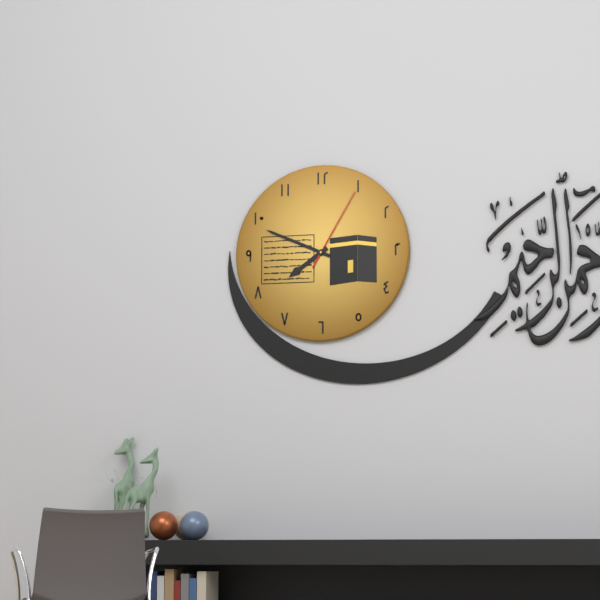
7:49:05
